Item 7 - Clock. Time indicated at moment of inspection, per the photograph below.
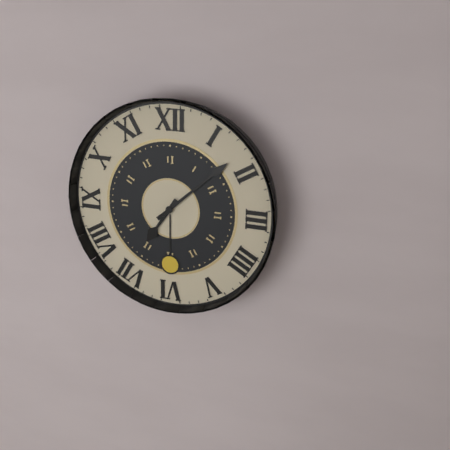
7:08
